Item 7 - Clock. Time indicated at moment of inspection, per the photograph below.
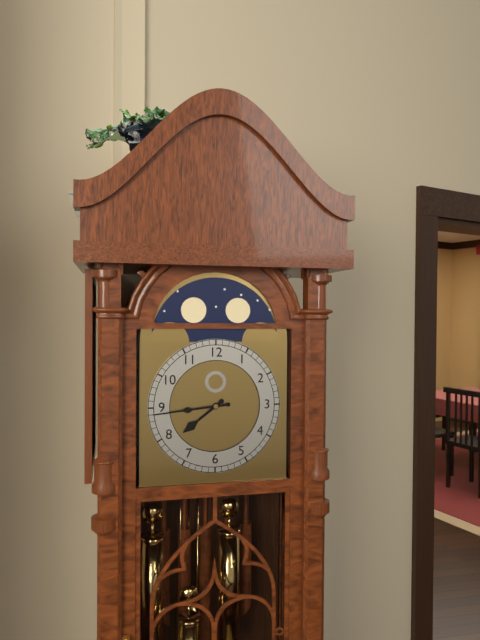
7:44
